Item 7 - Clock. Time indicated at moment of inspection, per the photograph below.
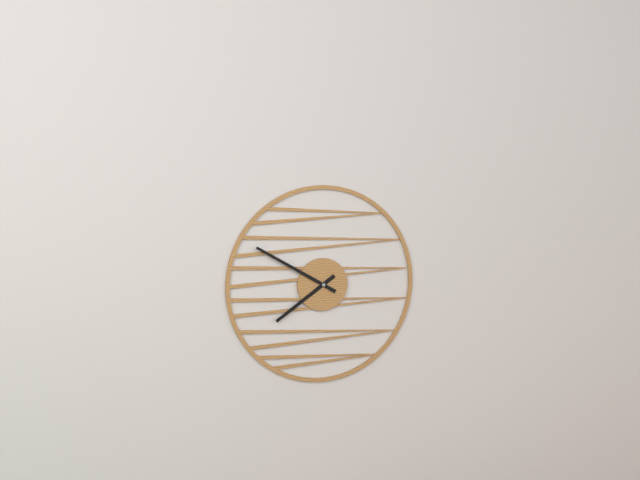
7:50
